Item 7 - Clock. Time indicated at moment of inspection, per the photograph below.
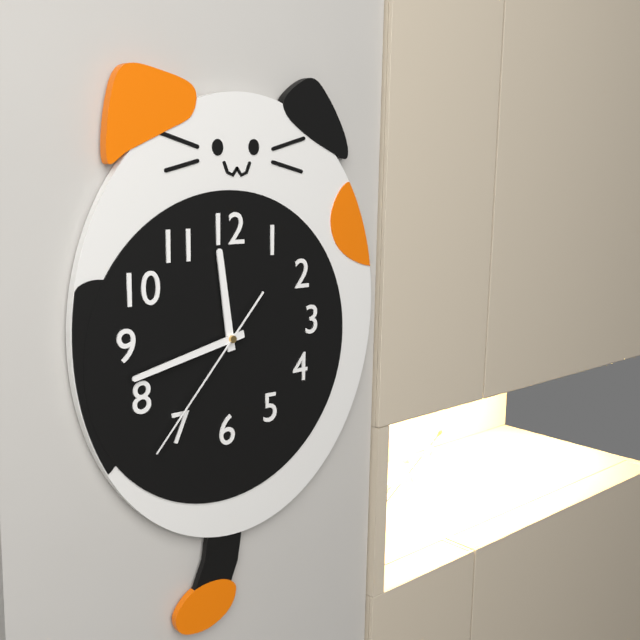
11:43:37
